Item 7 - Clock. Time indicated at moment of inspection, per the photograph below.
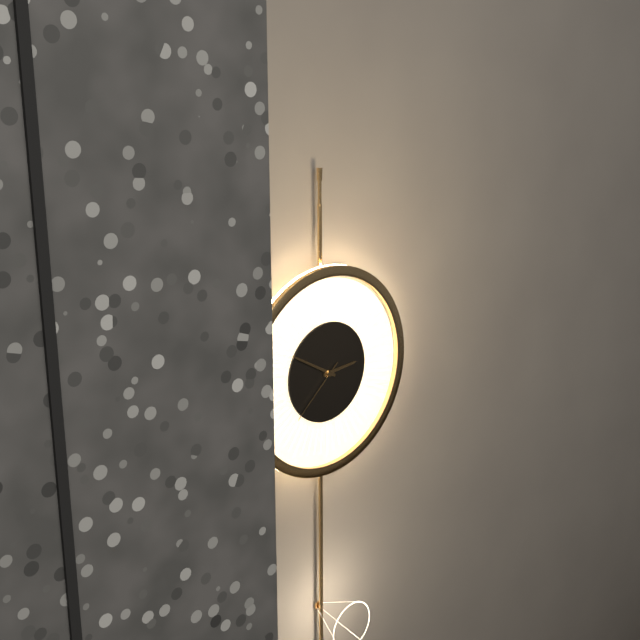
2:50:38
